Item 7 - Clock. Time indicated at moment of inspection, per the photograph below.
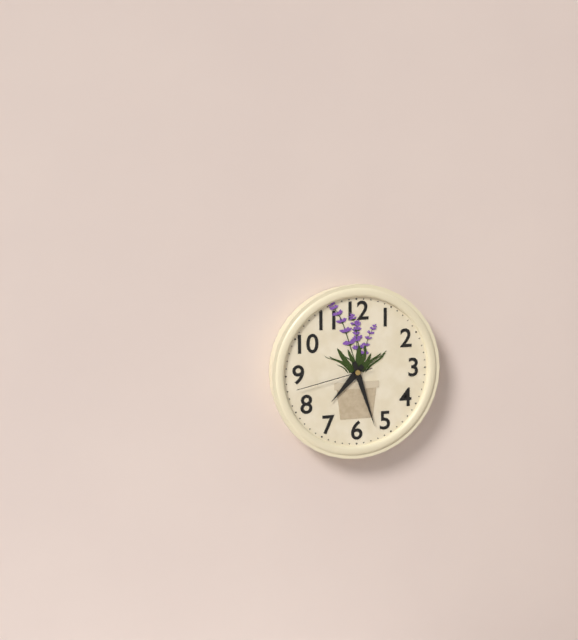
7:27:43
